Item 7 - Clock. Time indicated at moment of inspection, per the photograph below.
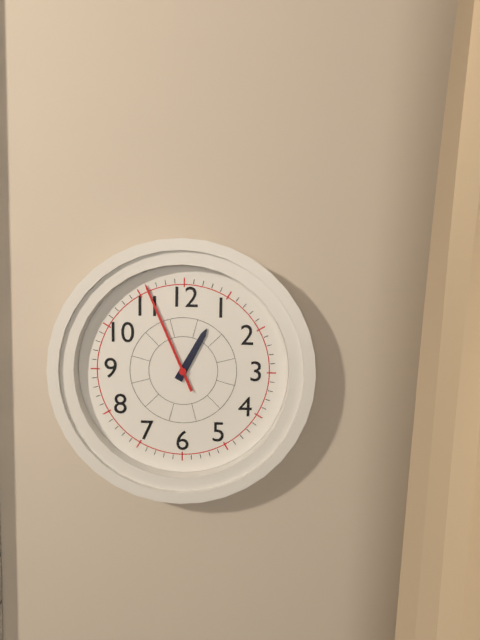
12:56
